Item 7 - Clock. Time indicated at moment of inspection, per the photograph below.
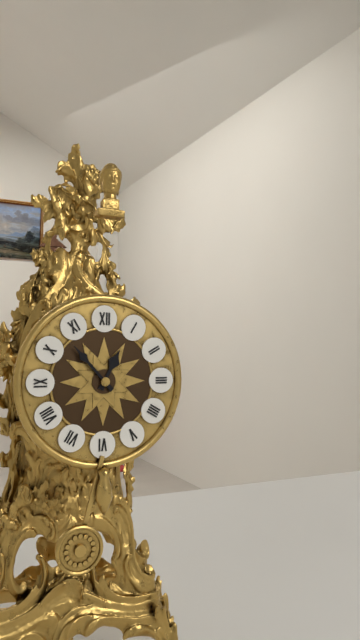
12:53
